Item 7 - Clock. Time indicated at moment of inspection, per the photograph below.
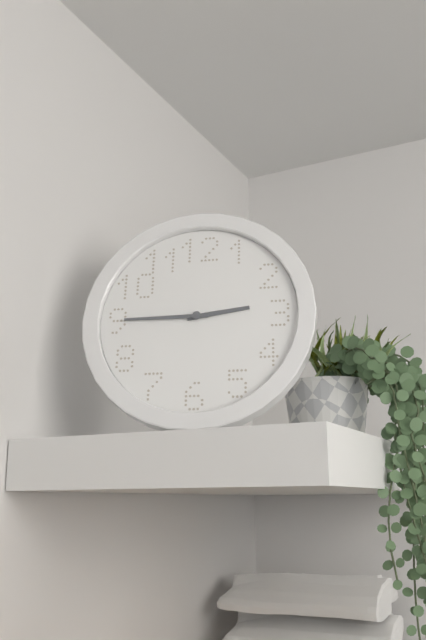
2:45
